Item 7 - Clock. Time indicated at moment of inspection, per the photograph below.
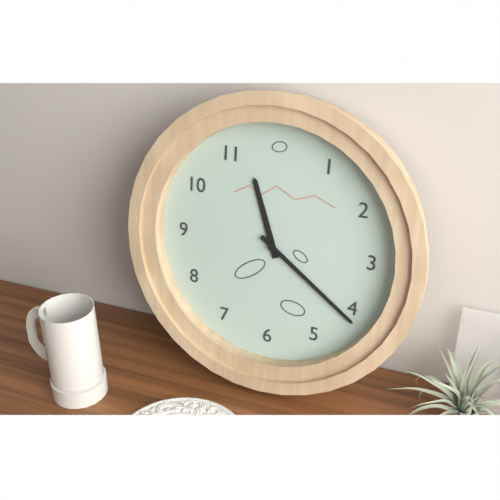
11:21
